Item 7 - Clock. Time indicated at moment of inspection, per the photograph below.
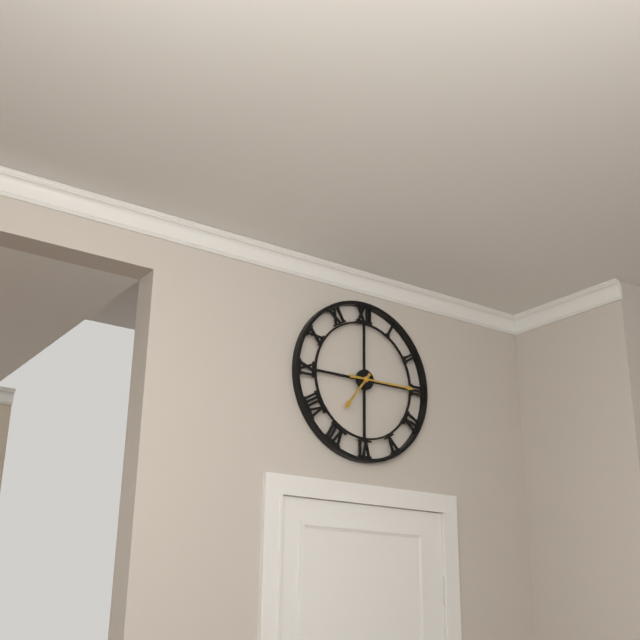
7:15
